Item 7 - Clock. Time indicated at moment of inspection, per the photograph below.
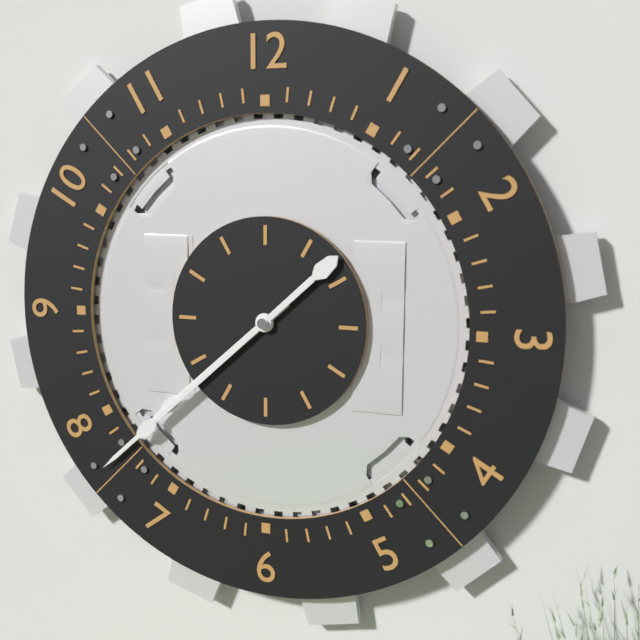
7:38
